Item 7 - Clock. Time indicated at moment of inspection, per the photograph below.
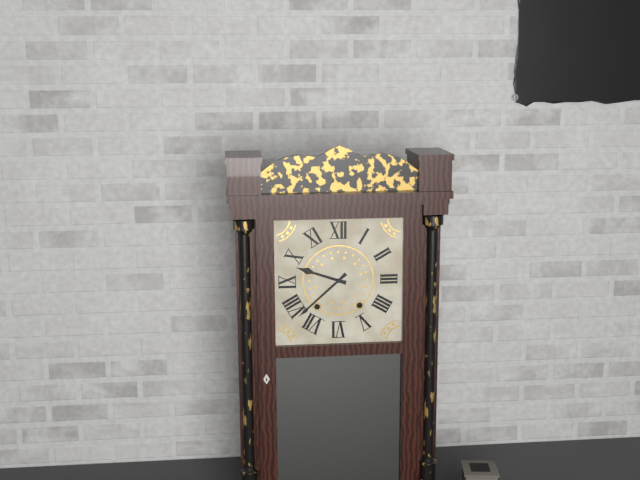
9:38
